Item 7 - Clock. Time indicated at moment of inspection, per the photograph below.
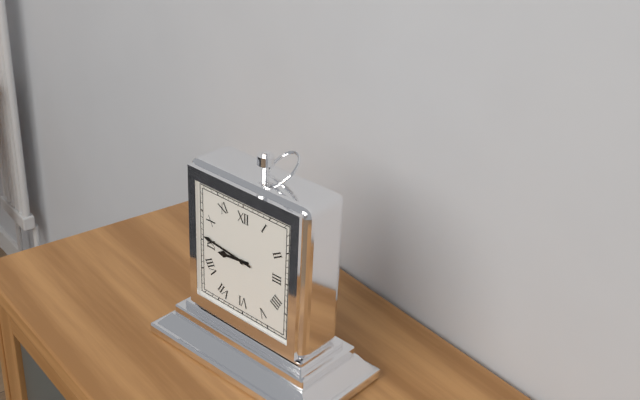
8:46
